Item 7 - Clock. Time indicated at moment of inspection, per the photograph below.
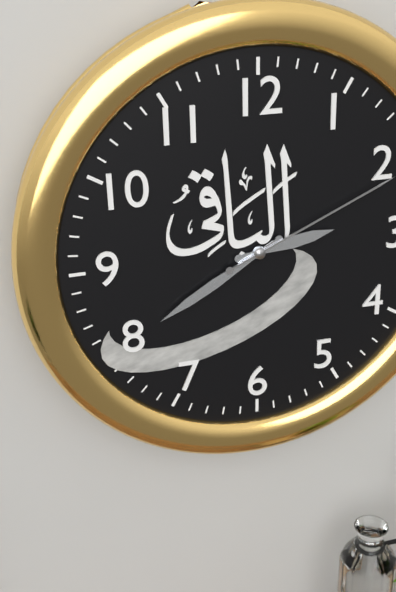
2:40:11
